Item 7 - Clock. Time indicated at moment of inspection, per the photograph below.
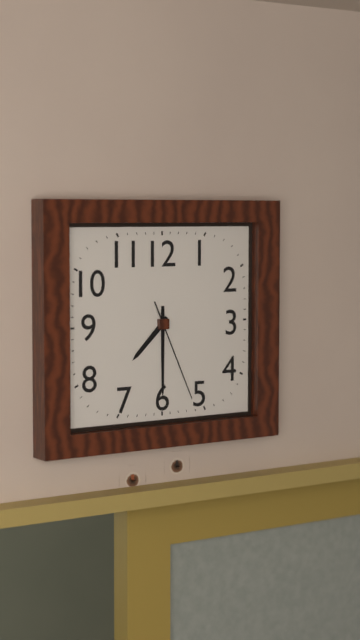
7:30:26
